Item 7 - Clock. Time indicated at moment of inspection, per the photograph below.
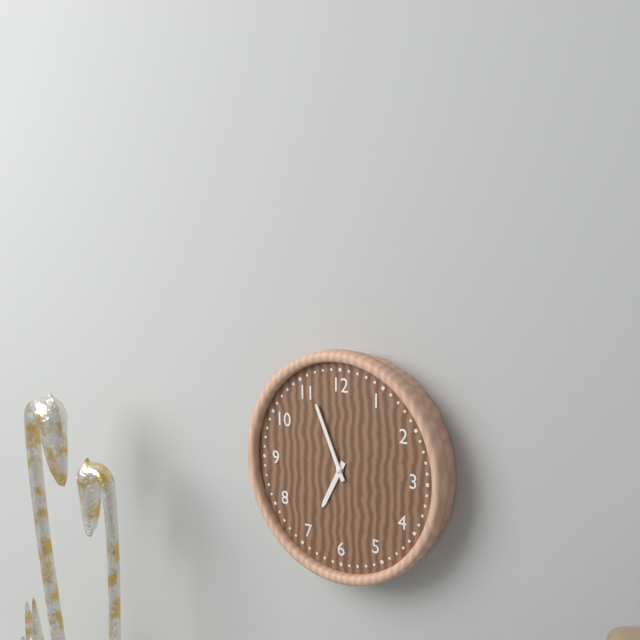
6:56
